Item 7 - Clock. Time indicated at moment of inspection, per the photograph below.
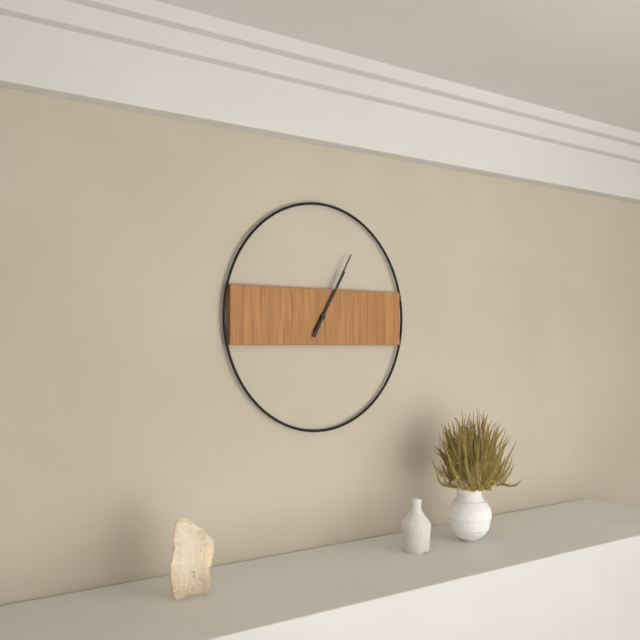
1:05
